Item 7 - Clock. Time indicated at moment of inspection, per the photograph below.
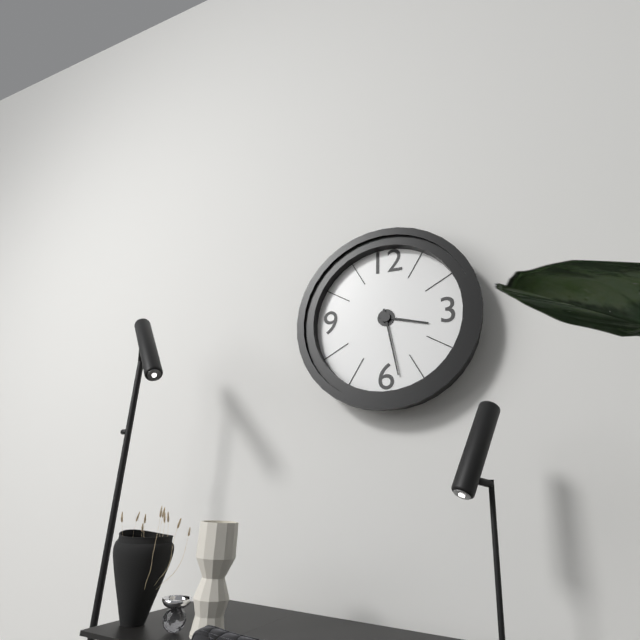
3:28
